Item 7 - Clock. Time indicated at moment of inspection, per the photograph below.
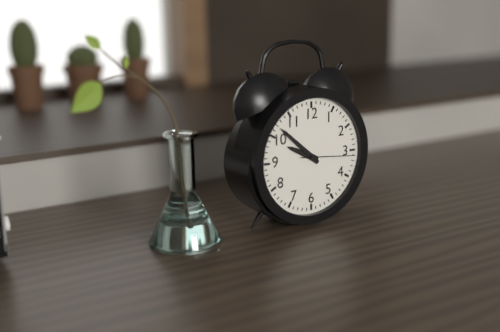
9:52:16
